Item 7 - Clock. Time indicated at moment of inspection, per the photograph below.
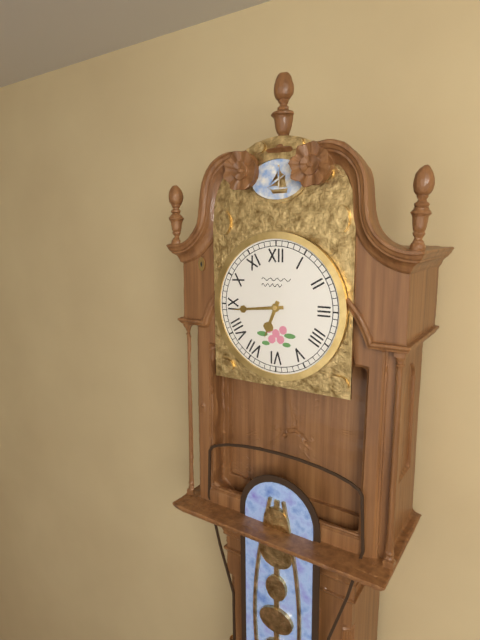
6:44
